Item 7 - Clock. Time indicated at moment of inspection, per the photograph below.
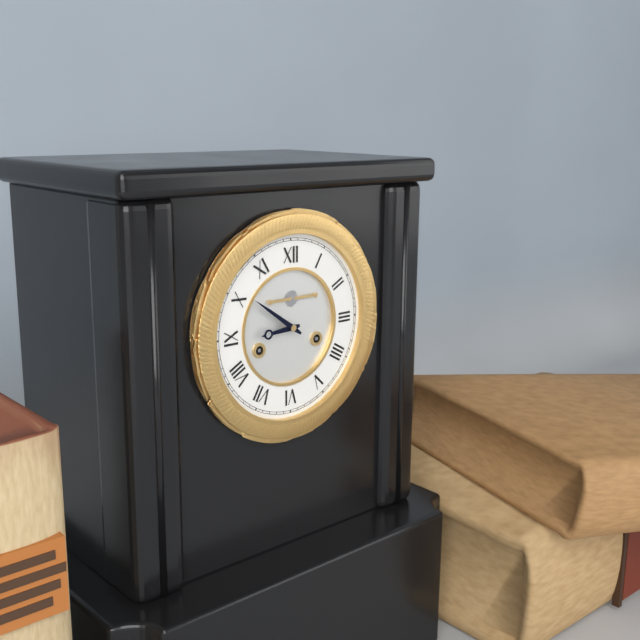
8:51
